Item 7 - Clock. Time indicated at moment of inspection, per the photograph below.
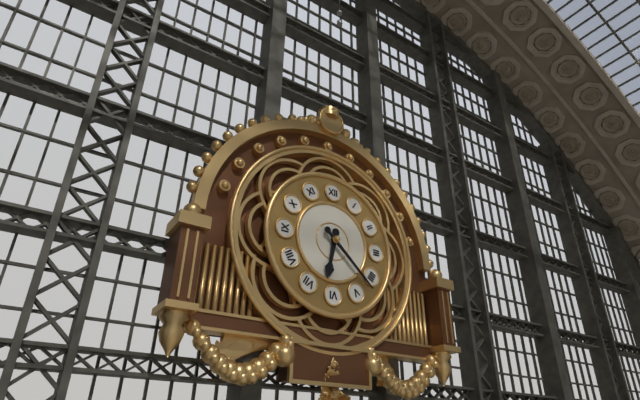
6:22
